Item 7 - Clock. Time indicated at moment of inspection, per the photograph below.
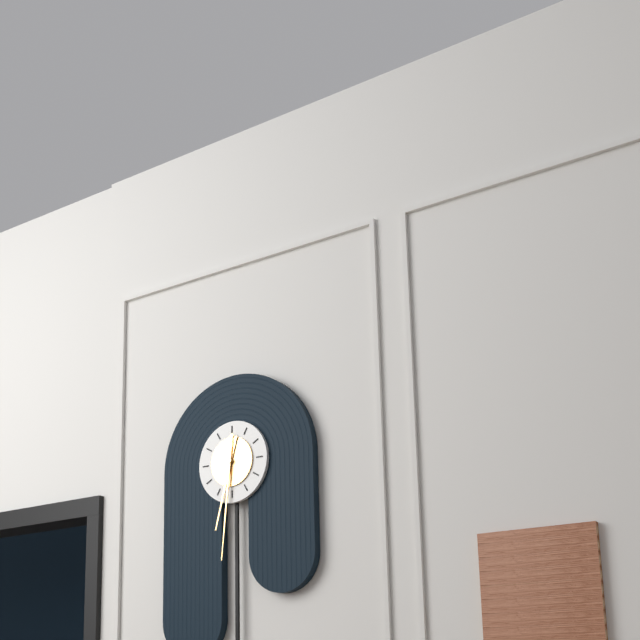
6:31
